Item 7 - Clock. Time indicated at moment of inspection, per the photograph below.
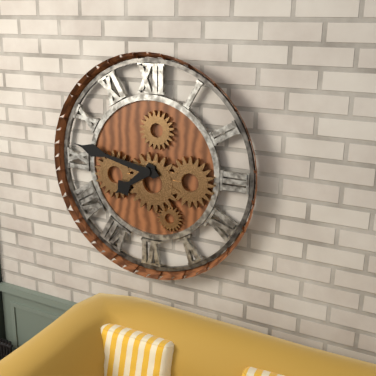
7:47
